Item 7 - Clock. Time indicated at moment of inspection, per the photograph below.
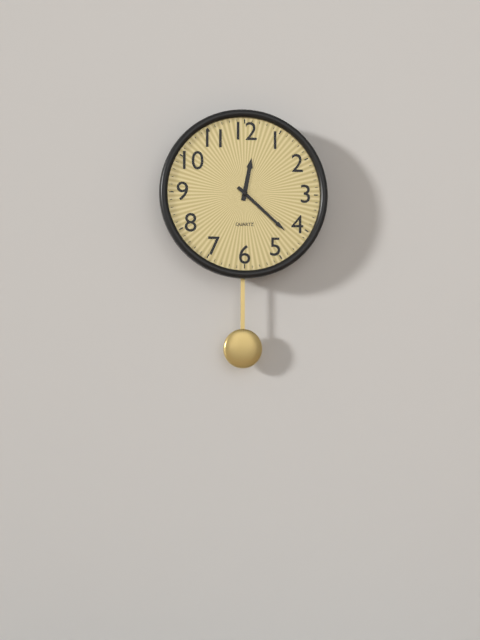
12:22
